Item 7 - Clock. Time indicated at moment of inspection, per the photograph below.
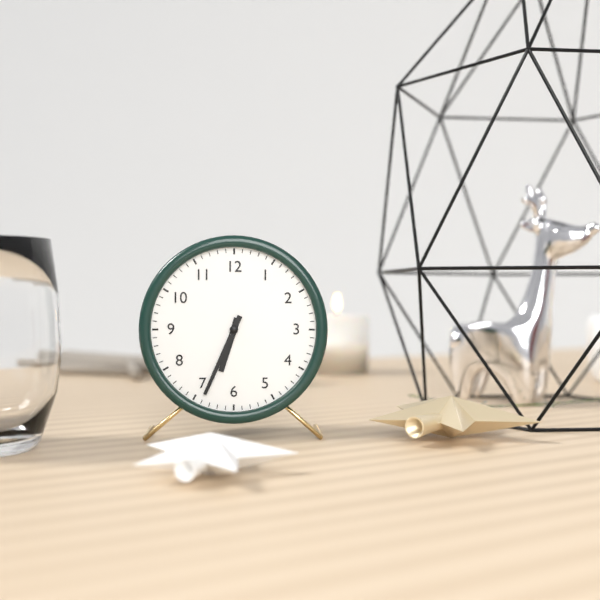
6:34
